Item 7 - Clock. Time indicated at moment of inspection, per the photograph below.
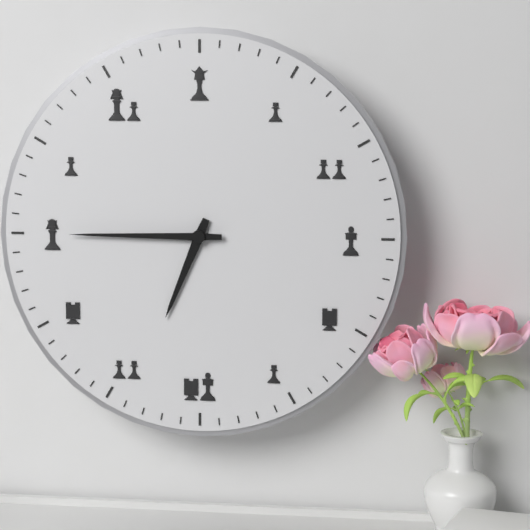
6:45
